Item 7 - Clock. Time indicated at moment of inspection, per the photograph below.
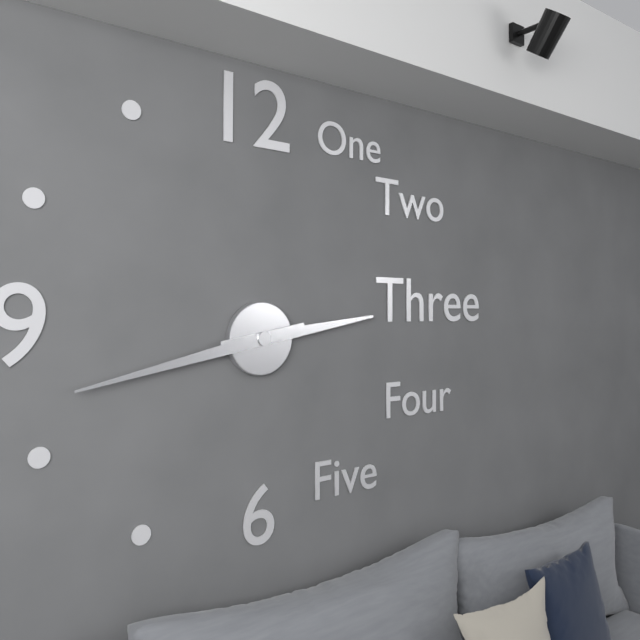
2:43
